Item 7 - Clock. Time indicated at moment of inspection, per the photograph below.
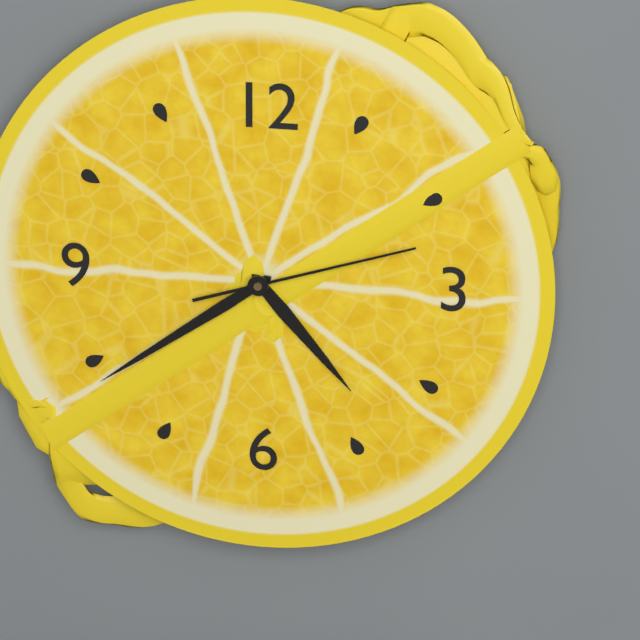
4:39:12
